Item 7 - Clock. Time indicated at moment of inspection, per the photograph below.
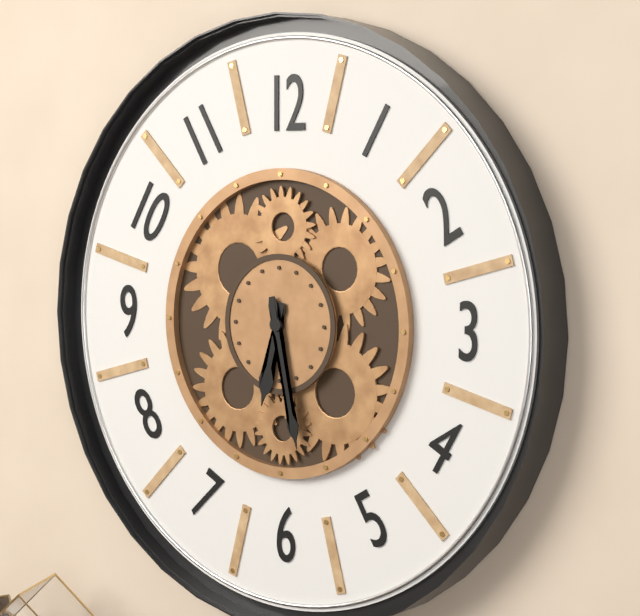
6:28
